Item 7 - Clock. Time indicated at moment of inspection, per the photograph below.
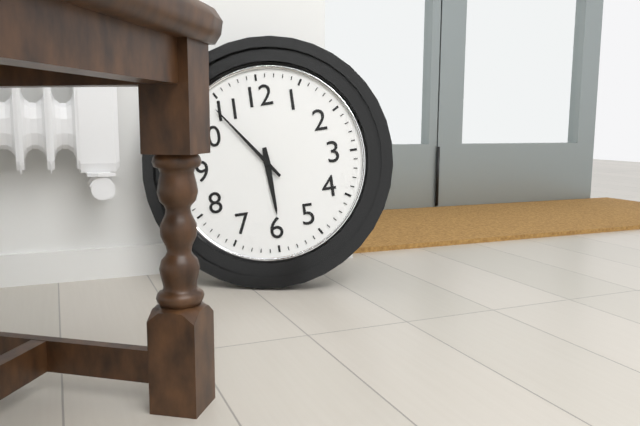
5:54
